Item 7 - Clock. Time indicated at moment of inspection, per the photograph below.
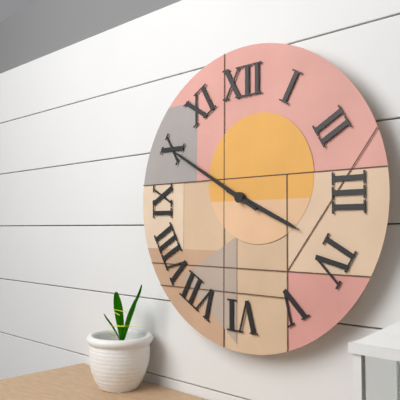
3:50
